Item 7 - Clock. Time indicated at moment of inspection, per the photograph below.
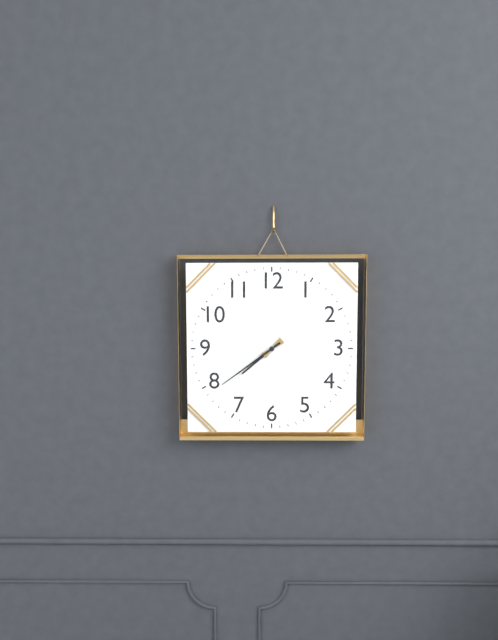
7:39
